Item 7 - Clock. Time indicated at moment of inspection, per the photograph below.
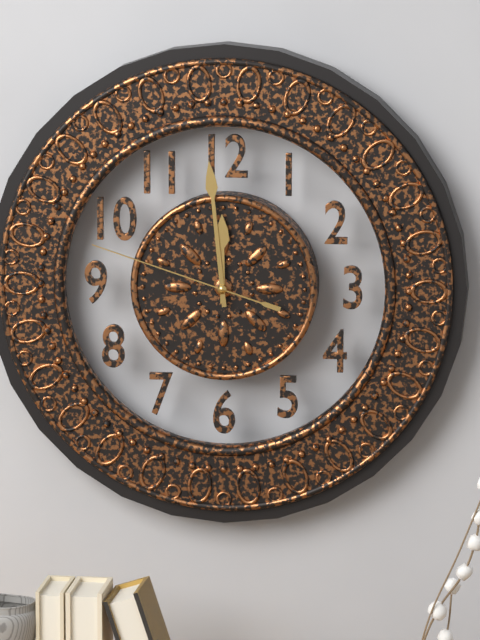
11:59:48
